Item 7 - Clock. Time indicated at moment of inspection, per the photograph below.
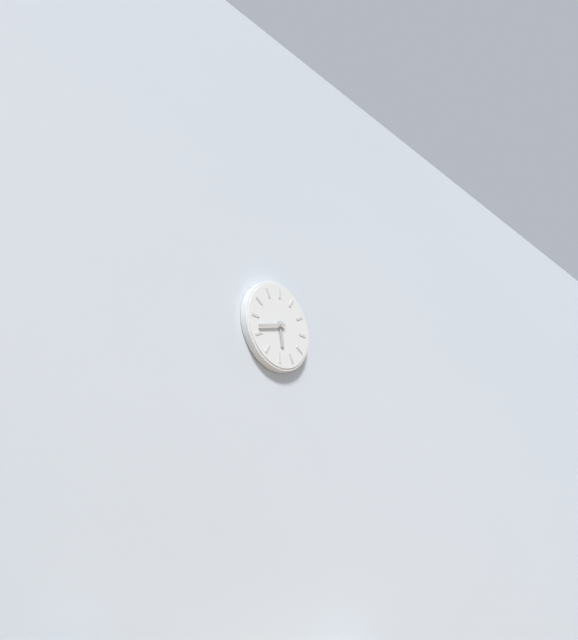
5:42
